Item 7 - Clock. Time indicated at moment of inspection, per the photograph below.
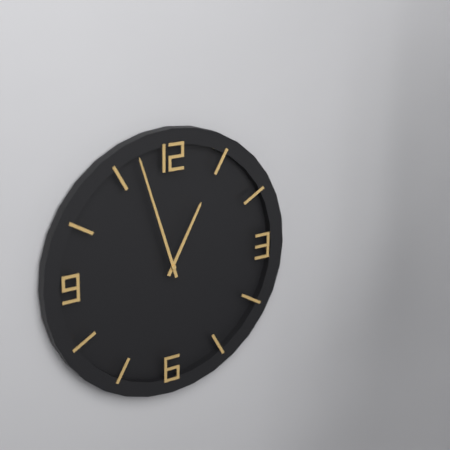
12:57
